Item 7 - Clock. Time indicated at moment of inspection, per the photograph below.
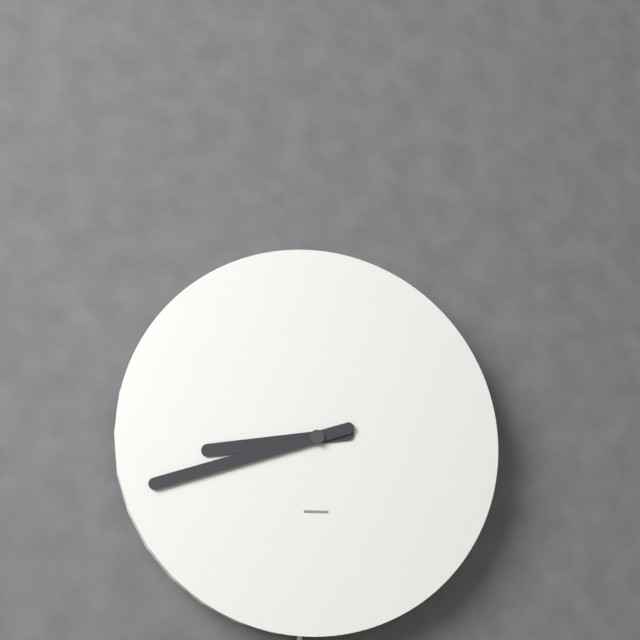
8:42
